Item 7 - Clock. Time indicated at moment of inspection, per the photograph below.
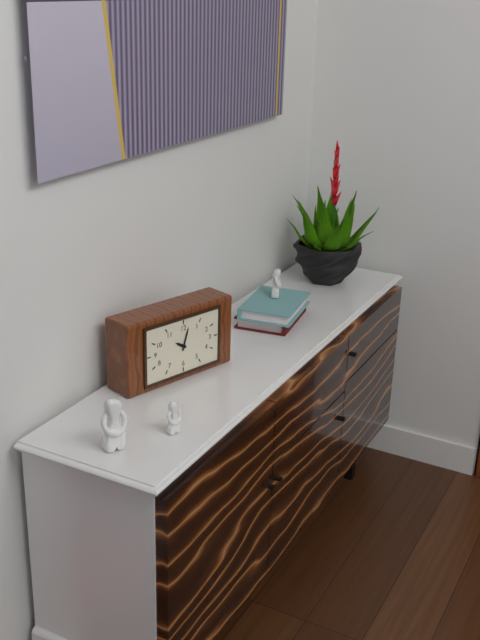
10:03
